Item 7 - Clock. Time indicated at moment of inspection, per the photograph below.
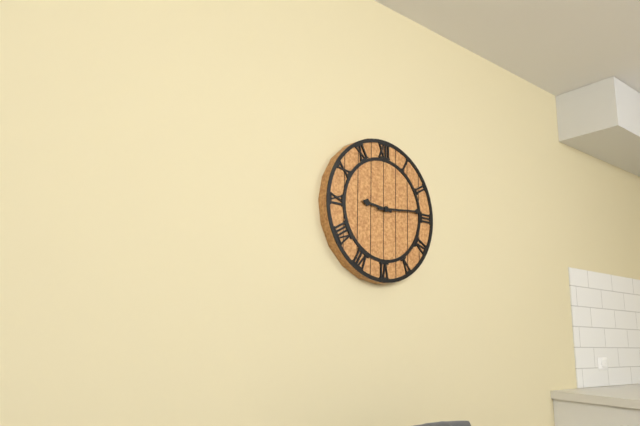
9:14
